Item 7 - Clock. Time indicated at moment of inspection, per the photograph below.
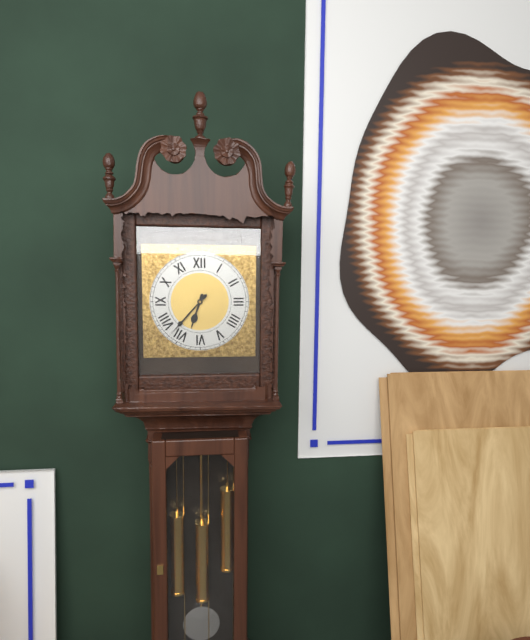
6:37
